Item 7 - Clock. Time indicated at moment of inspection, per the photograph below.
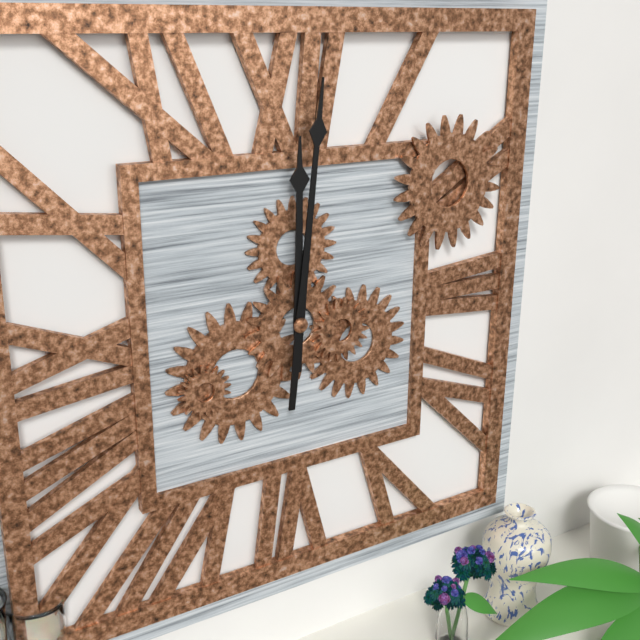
12:01
